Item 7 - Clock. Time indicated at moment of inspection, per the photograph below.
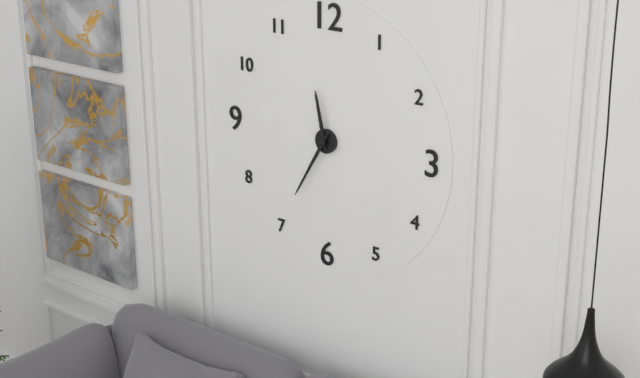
11:35
